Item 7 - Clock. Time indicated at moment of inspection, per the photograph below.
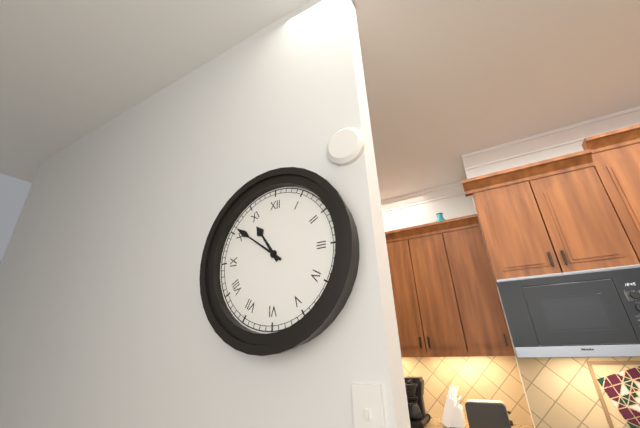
10:51
